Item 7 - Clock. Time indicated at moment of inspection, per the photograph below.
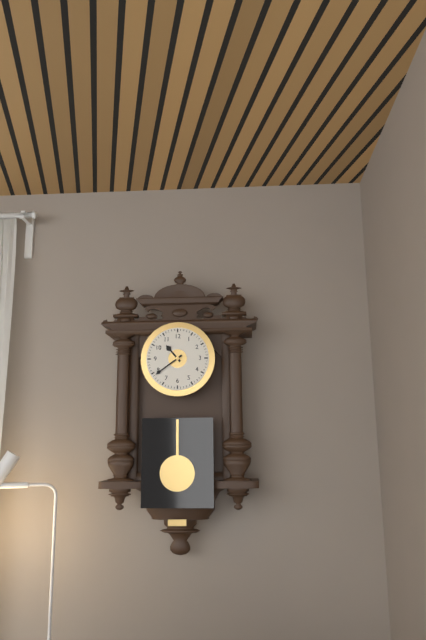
10:39
